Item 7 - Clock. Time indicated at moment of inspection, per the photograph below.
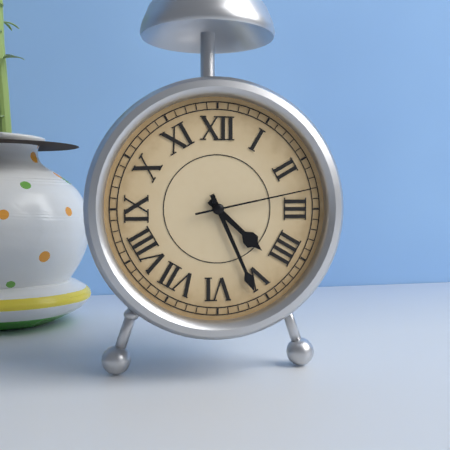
4:26:13
